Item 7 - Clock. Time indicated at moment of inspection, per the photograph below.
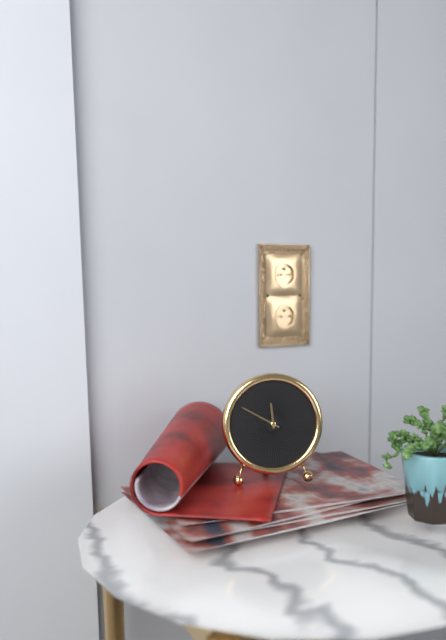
11:50
